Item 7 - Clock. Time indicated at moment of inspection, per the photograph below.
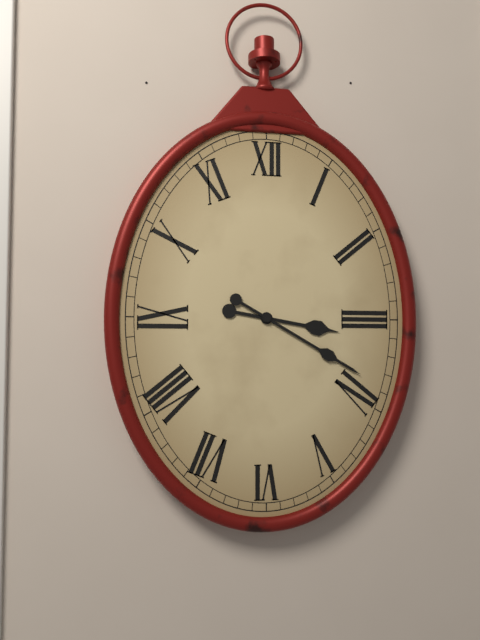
3:20
